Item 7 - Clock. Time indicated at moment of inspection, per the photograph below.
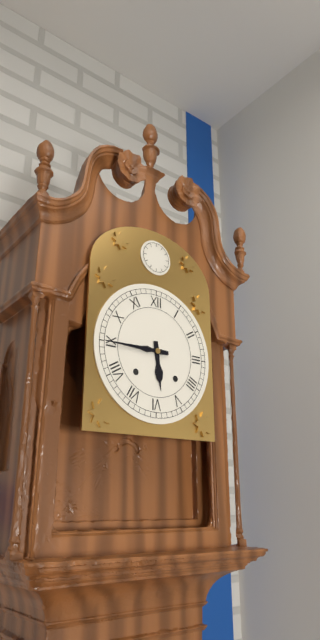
5:45
